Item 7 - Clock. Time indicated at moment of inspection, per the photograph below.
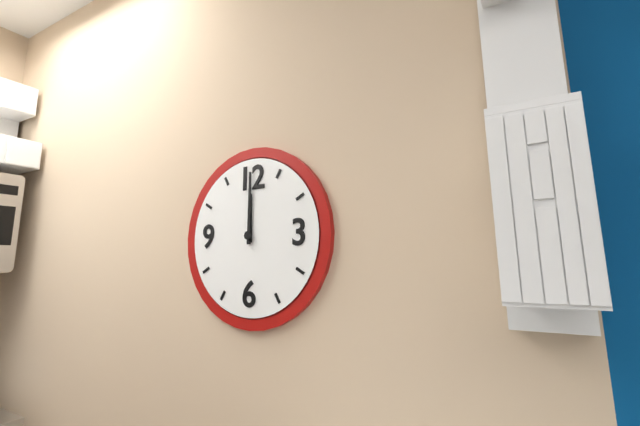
12:00
